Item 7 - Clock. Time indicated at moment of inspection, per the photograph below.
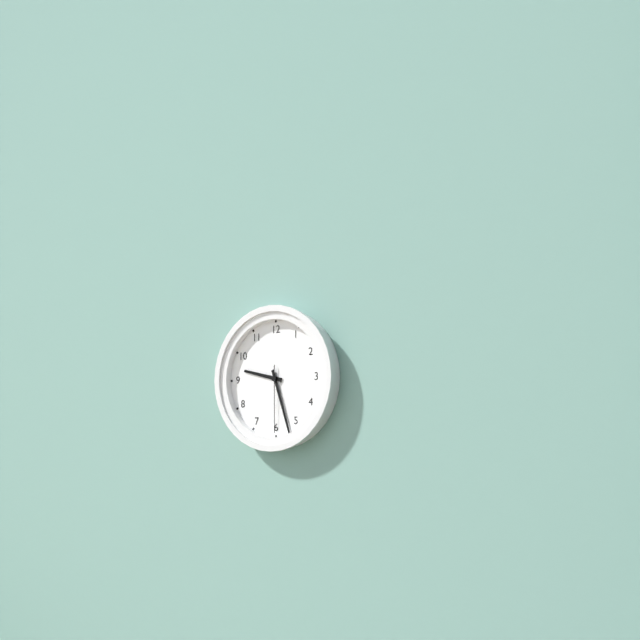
9:27:30
